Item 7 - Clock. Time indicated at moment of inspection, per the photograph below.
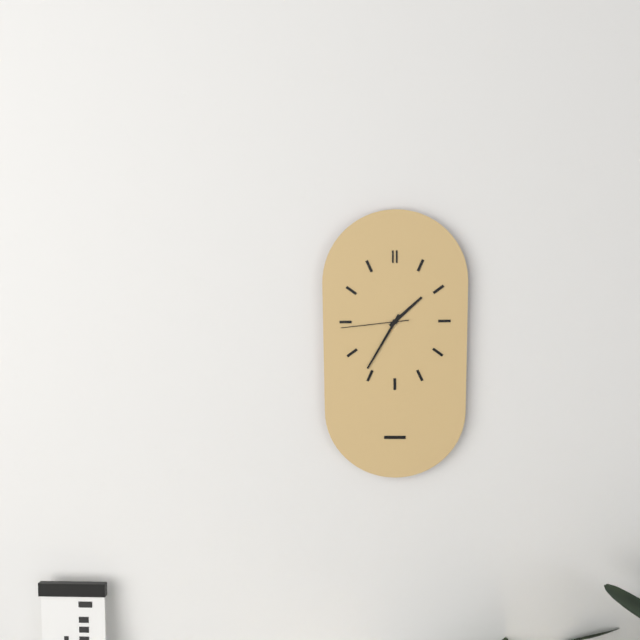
1:35:44
